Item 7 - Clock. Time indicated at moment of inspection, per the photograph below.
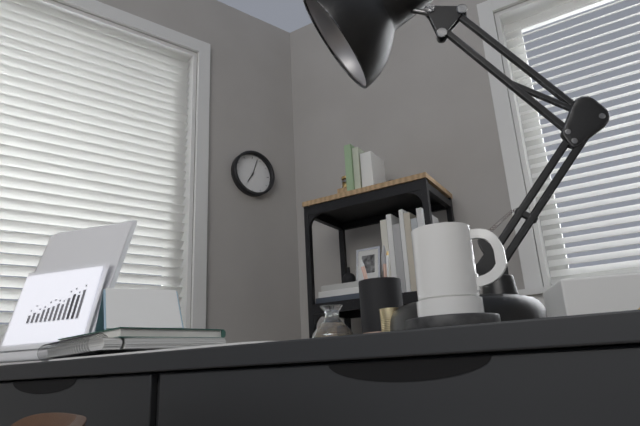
7:03
